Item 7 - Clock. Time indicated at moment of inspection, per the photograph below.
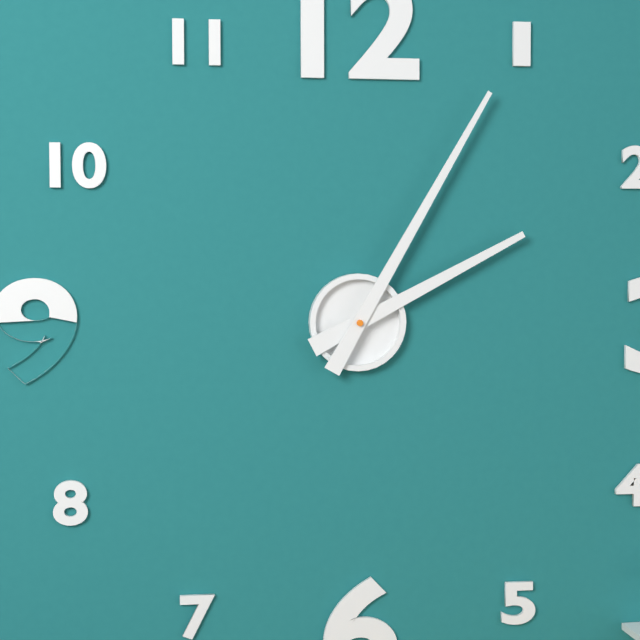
2:05
